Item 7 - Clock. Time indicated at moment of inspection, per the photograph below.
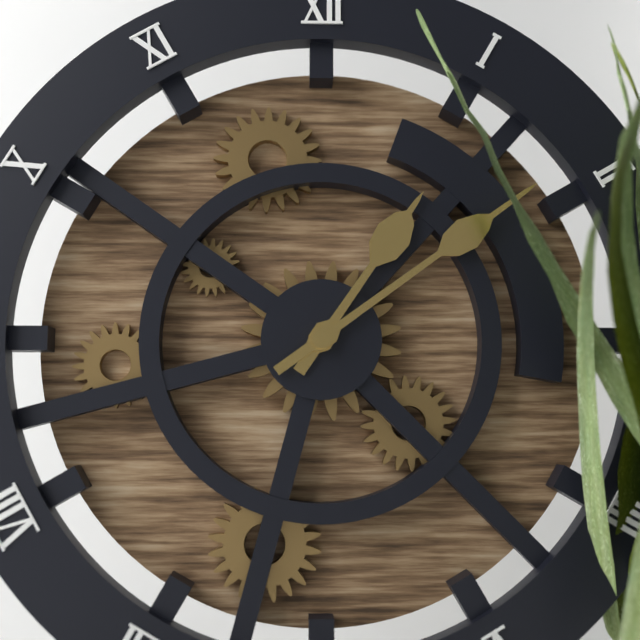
1:09
